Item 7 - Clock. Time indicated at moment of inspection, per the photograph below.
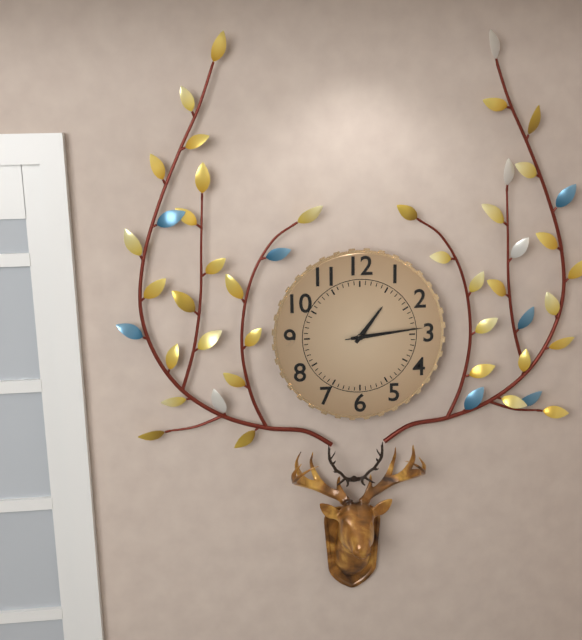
1:14:14
